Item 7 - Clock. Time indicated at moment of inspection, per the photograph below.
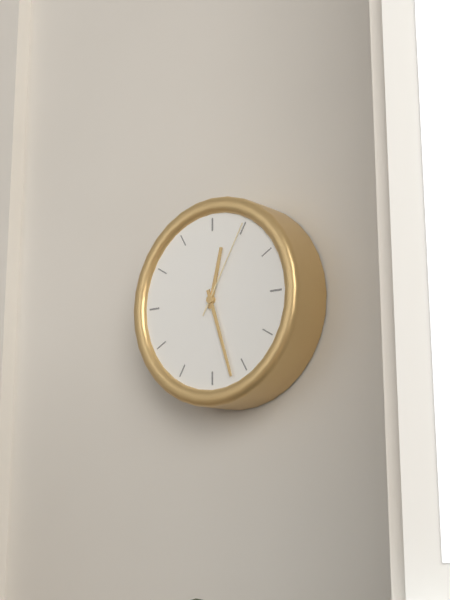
12:27:05
